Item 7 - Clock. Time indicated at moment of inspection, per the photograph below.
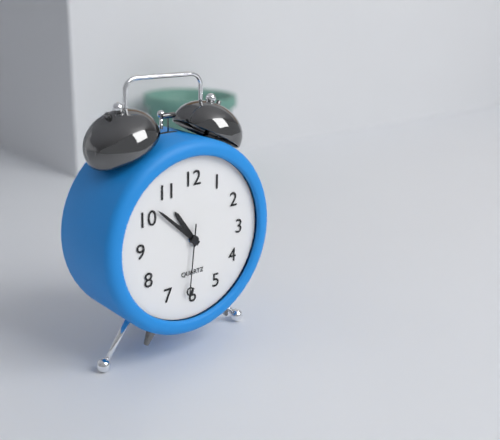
10:52:31
